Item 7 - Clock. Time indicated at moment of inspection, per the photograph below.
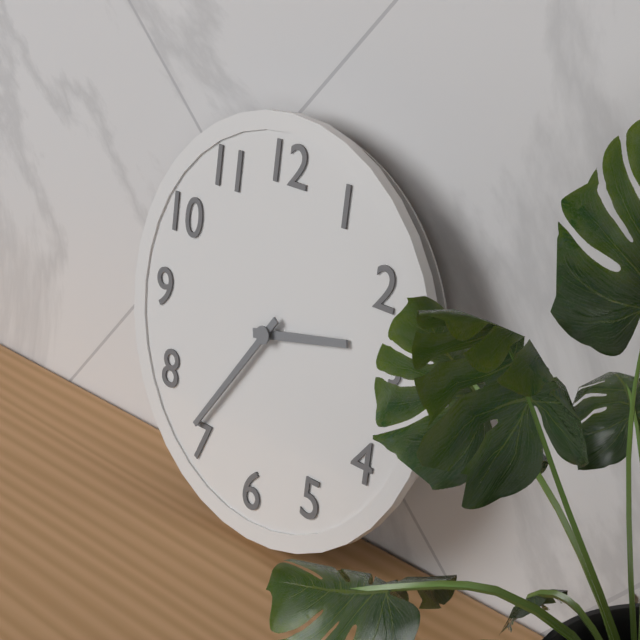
2:36
